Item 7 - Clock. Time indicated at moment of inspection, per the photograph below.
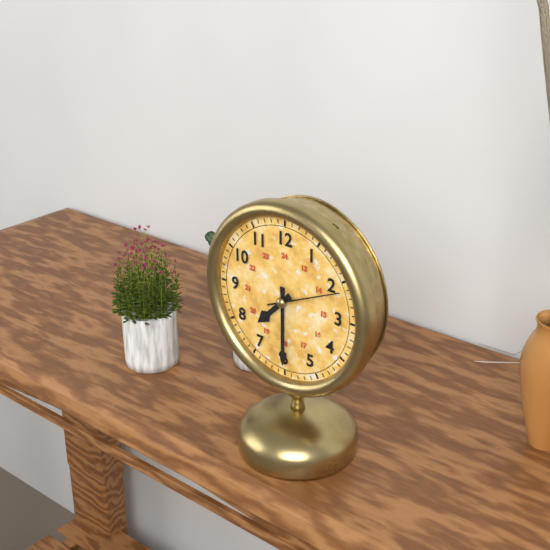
7:30:11
